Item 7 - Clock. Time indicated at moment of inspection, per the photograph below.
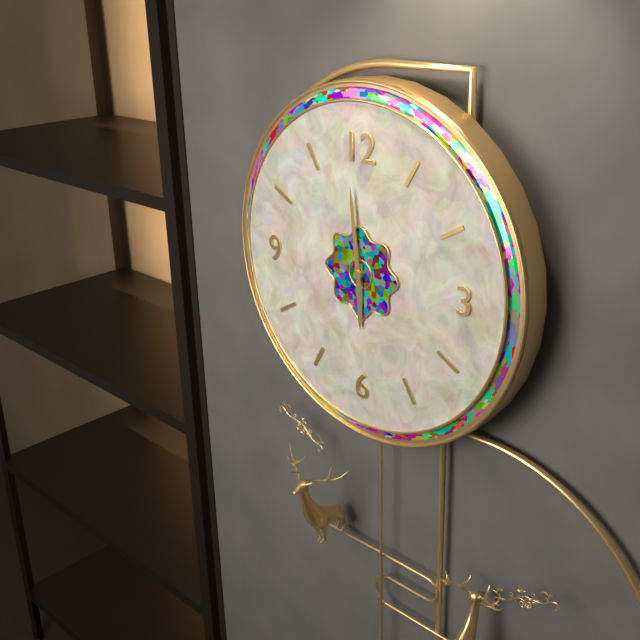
5:59
